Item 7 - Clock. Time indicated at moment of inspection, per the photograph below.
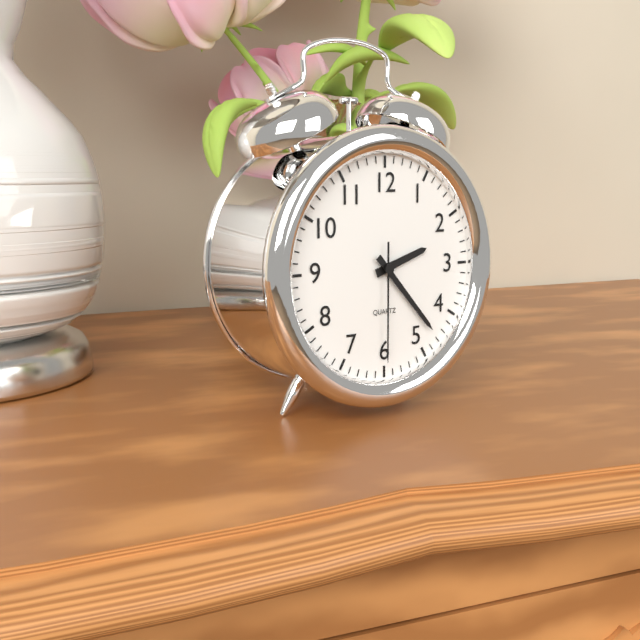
2:23:30
